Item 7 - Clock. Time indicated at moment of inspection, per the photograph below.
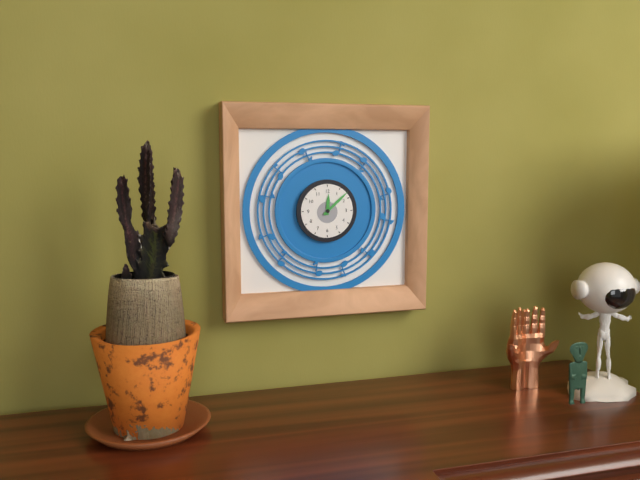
12:08
